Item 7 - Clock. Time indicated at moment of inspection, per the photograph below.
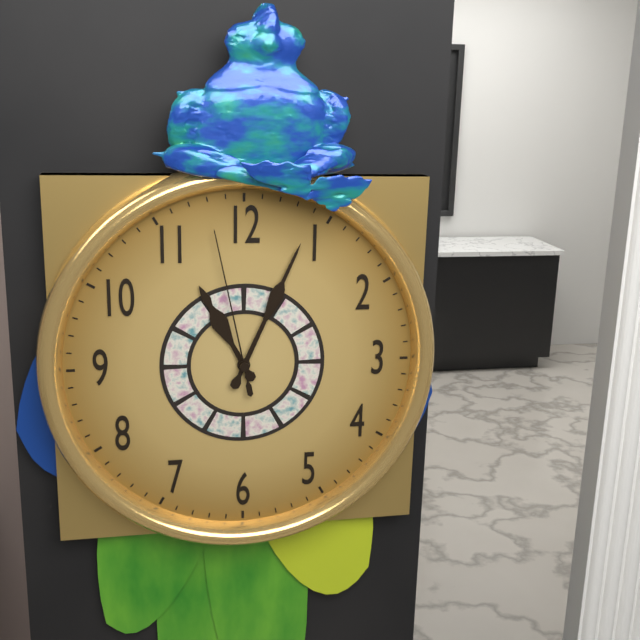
11:04:58
